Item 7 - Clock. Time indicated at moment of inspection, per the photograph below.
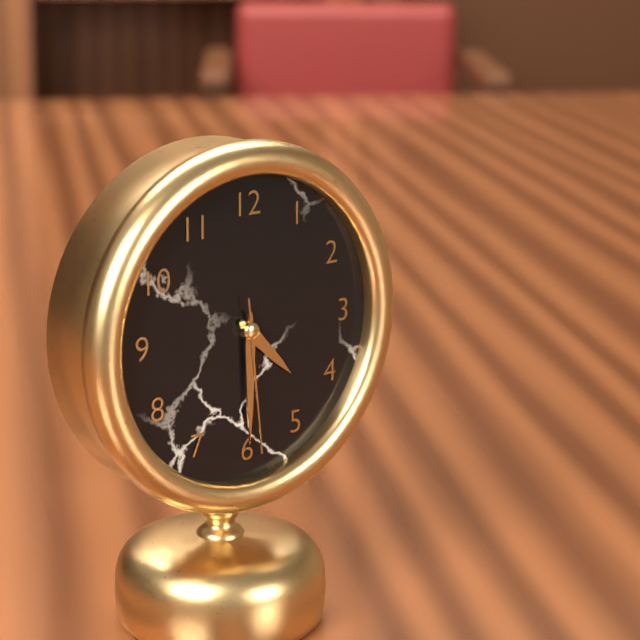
4:30:29
